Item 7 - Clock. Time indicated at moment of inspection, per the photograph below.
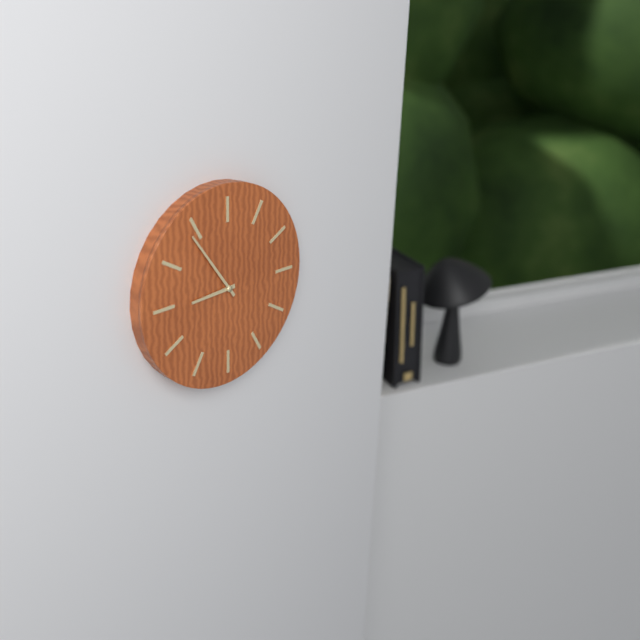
8:54
